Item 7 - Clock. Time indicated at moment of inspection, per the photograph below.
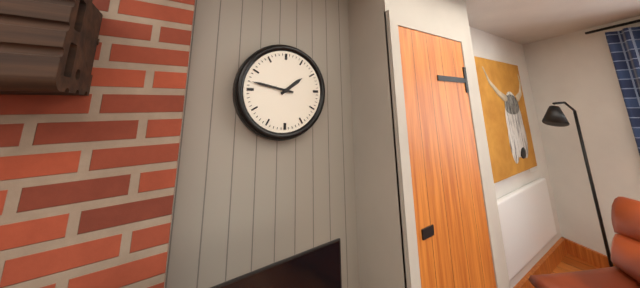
1:47
